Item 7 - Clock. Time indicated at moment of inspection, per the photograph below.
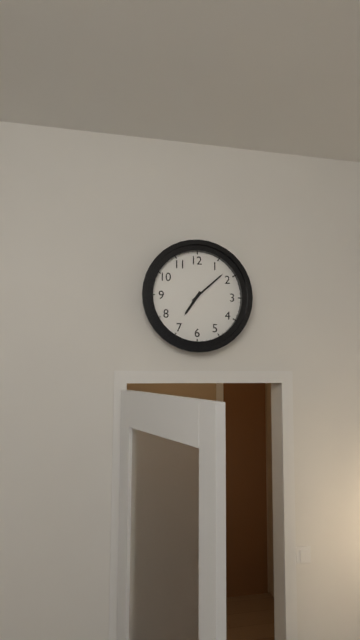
7:08
